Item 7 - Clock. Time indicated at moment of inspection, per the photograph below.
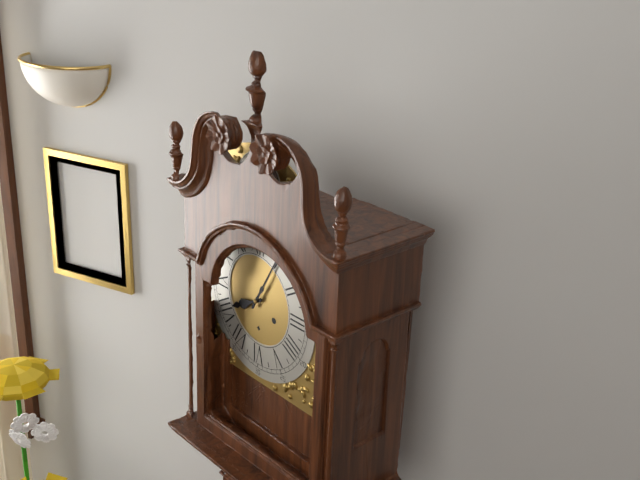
8:05
